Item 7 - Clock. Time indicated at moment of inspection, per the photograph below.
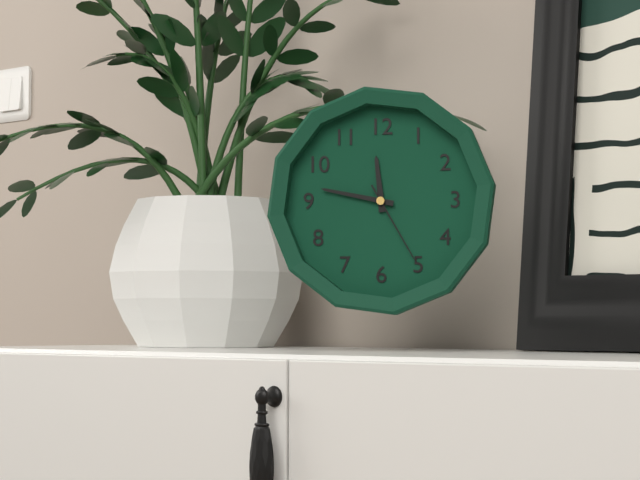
11:47:25
